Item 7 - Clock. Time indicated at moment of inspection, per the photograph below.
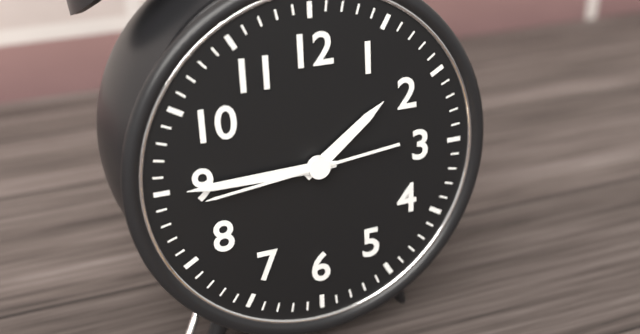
1:45:44
